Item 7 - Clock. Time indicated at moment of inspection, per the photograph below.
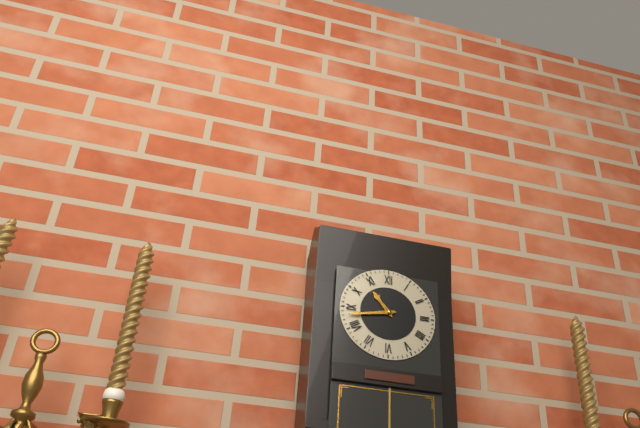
10:43
